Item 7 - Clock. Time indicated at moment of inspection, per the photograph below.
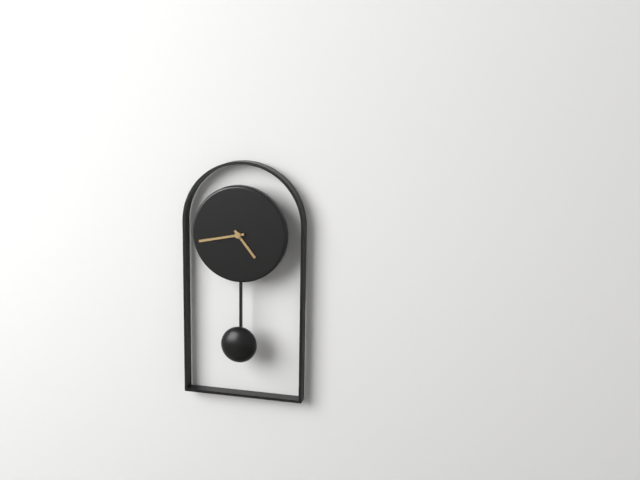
4:43
